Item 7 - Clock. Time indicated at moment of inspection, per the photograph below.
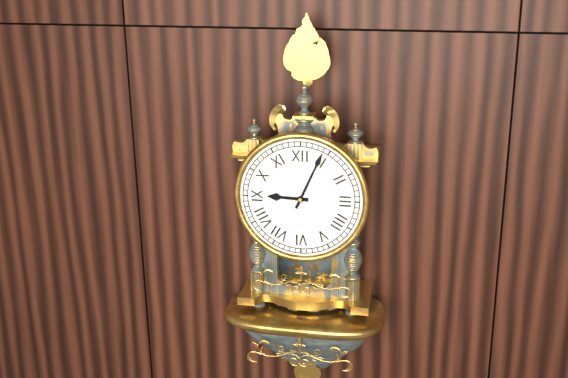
9:04
